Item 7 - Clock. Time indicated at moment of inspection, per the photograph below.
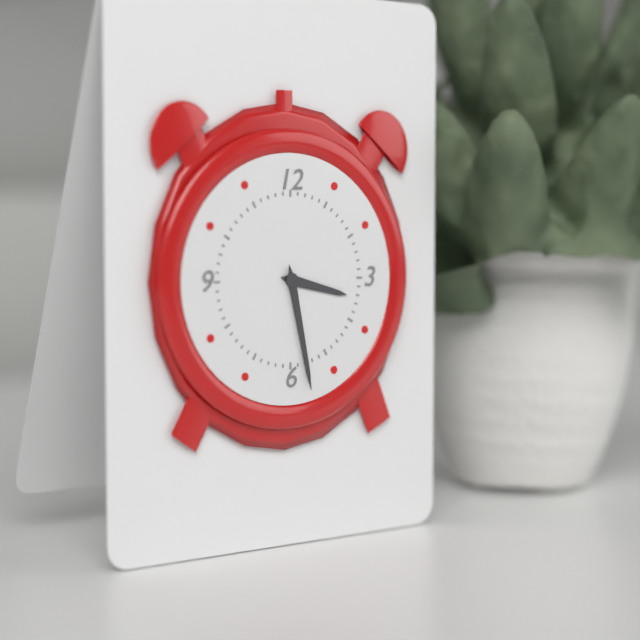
3:28
